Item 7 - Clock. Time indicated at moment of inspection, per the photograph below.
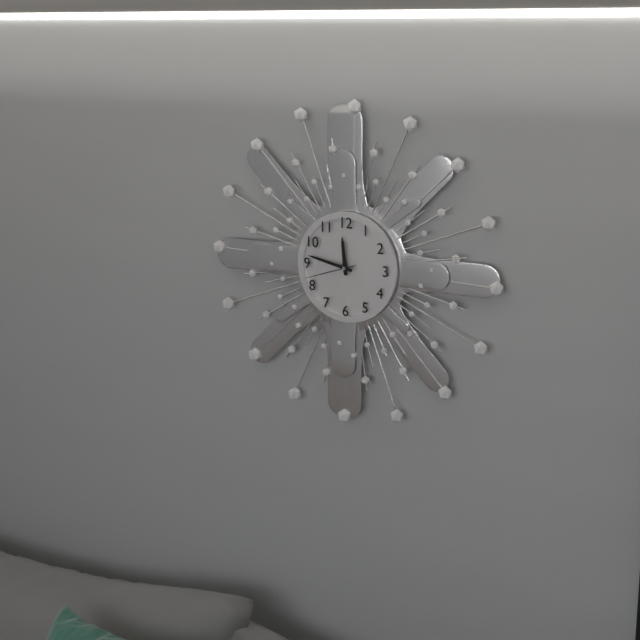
11:47:42
